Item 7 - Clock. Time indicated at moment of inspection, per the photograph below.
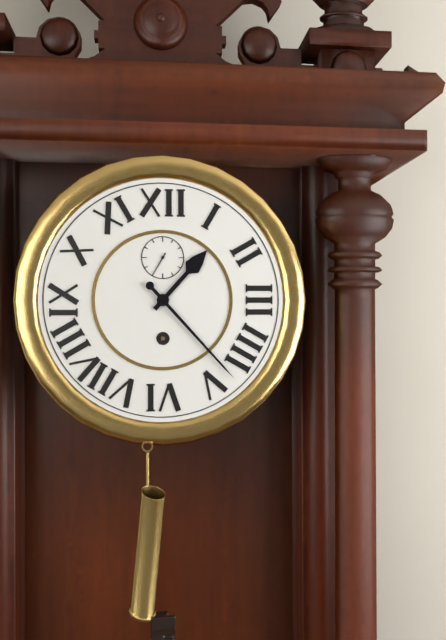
1:23
